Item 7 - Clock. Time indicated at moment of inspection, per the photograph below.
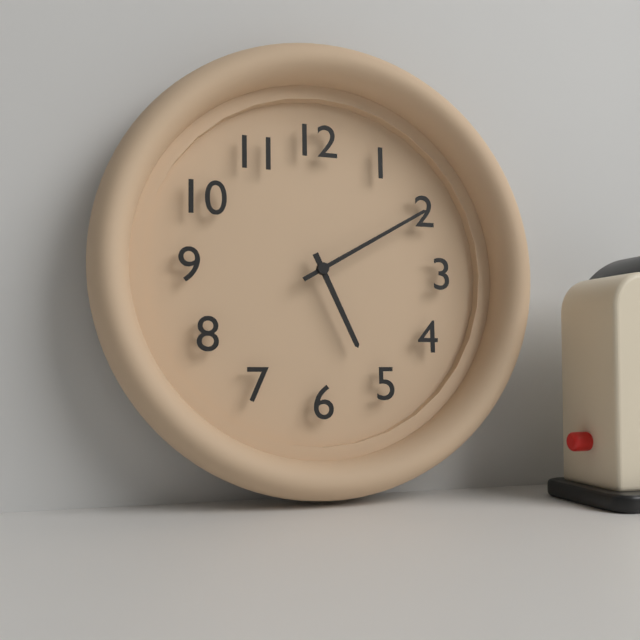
5:10
